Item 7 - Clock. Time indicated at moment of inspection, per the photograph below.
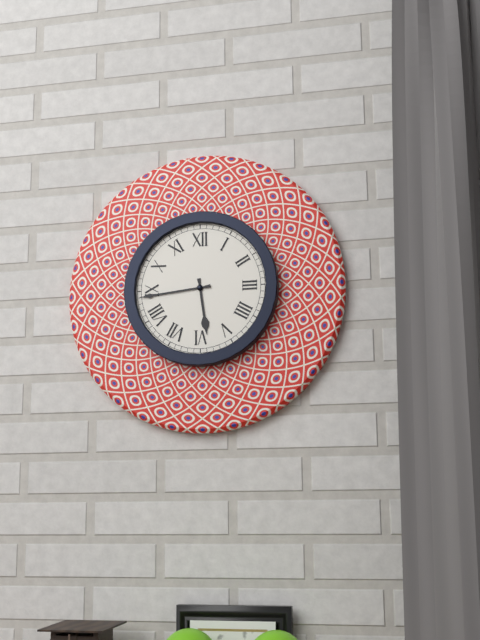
5:44
